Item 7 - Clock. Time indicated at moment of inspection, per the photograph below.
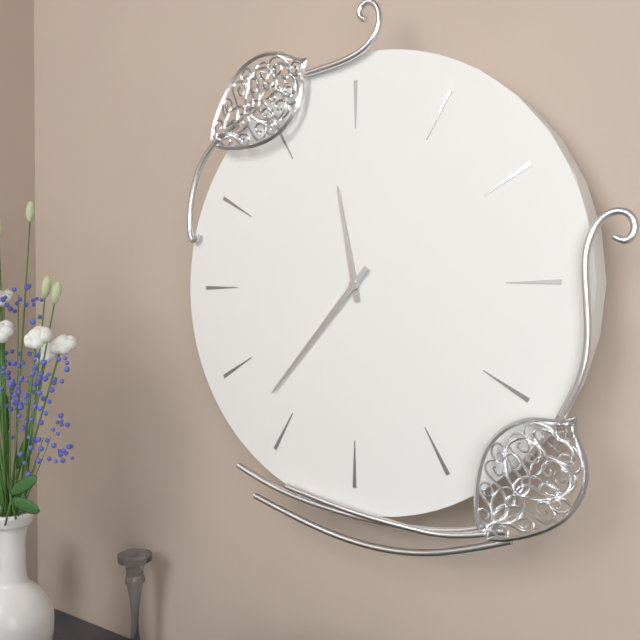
11:37
